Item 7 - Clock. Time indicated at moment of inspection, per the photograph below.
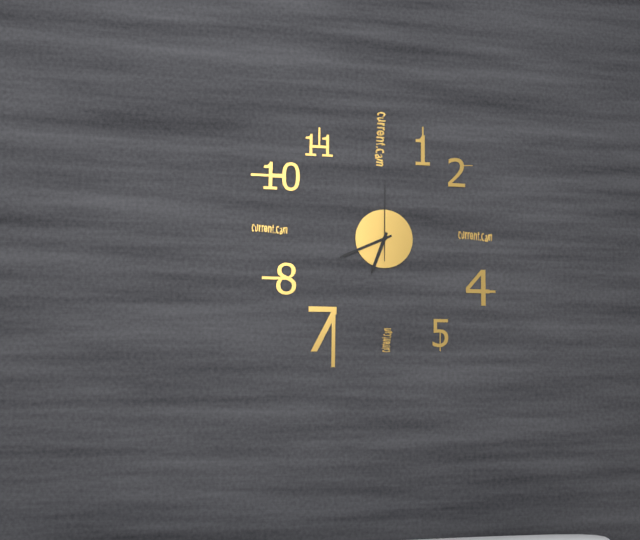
6:41:00
